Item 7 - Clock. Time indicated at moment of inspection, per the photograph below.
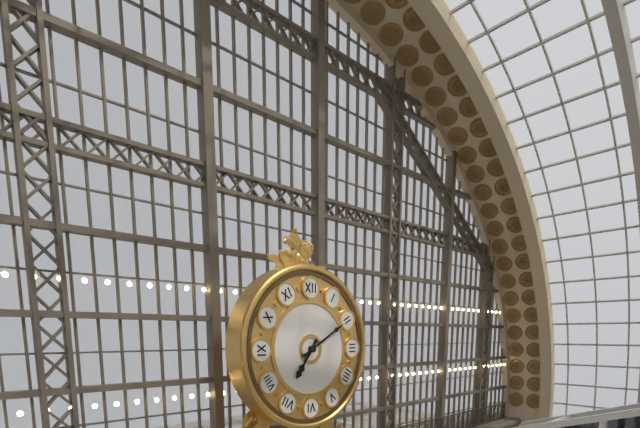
7:10
